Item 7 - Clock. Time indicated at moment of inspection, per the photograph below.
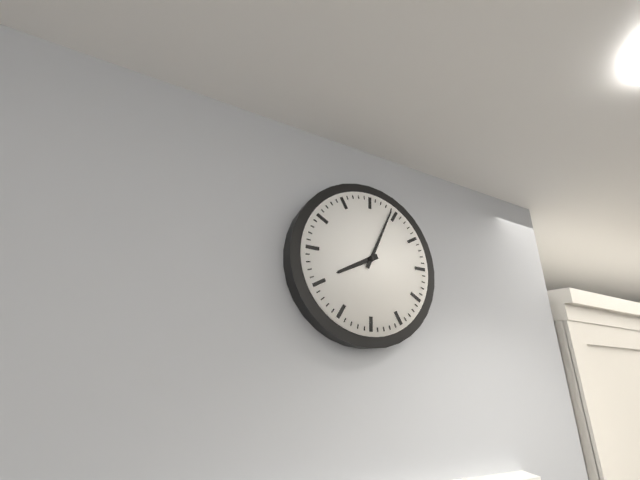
8:04
